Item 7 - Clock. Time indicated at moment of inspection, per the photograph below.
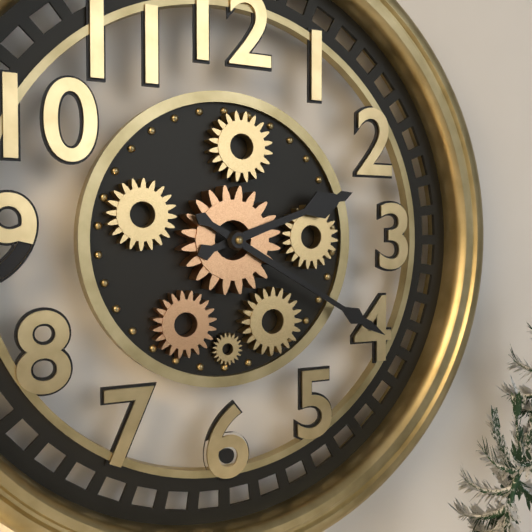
2:20
